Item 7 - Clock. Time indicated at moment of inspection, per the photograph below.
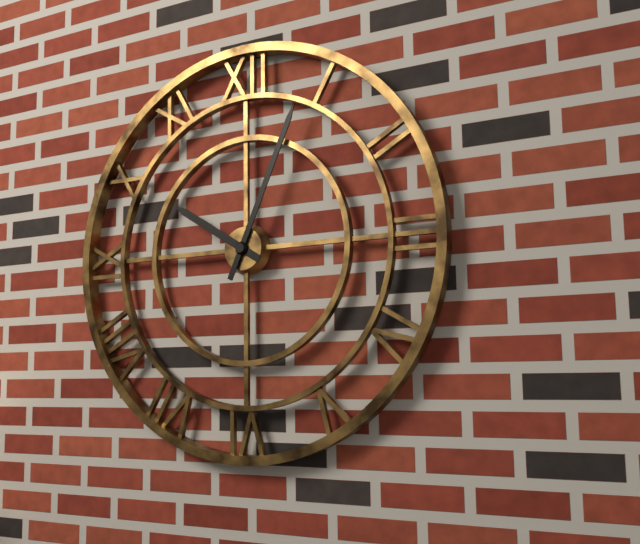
10:04
